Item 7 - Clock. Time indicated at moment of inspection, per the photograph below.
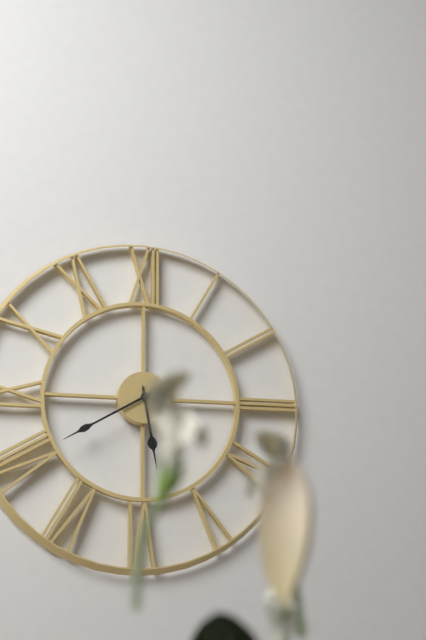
5:40
